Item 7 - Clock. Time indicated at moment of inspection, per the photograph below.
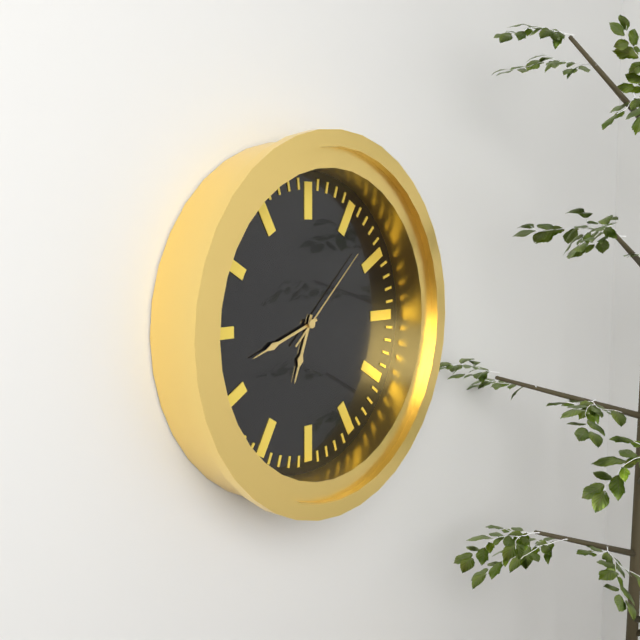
6:42:08
